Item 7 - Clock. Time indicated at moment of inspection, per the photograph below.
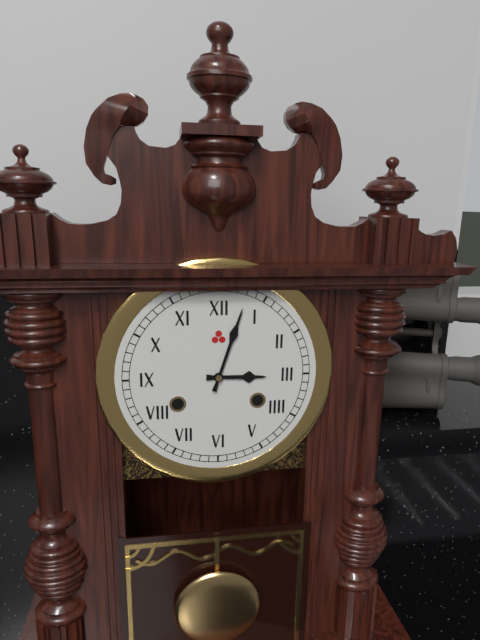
3:03
